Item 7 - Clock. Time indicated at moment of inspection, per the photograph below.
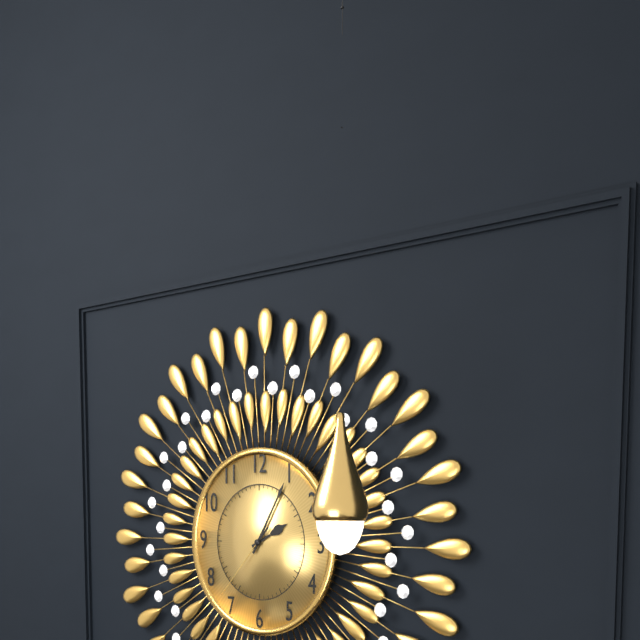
2:05:37
